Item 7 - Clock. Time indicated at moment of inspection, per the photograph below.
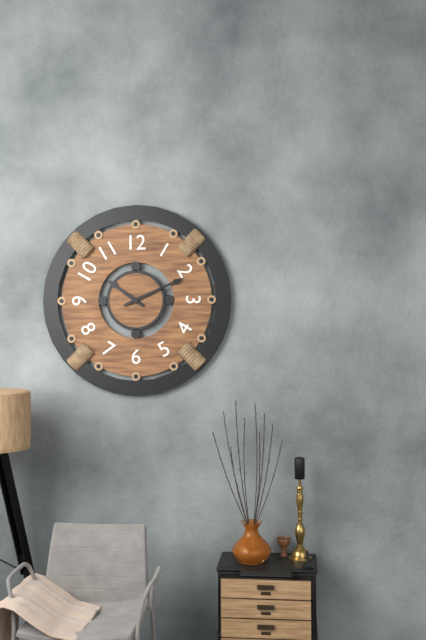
10:11
